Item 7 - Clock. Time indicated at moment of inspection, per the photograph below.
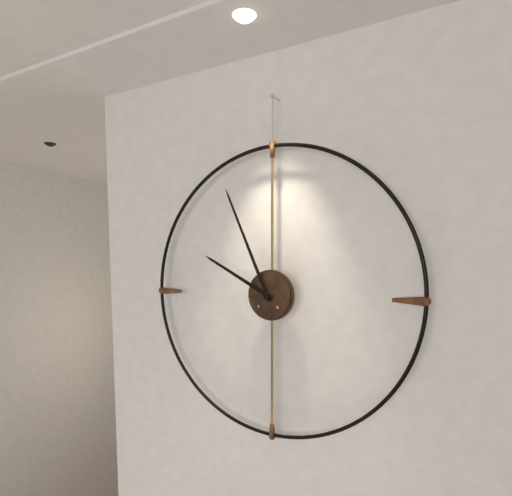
9:56
